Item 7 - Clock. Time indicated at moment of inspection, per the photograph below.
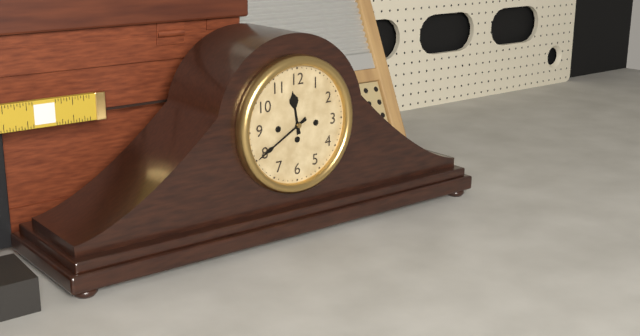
11:40
